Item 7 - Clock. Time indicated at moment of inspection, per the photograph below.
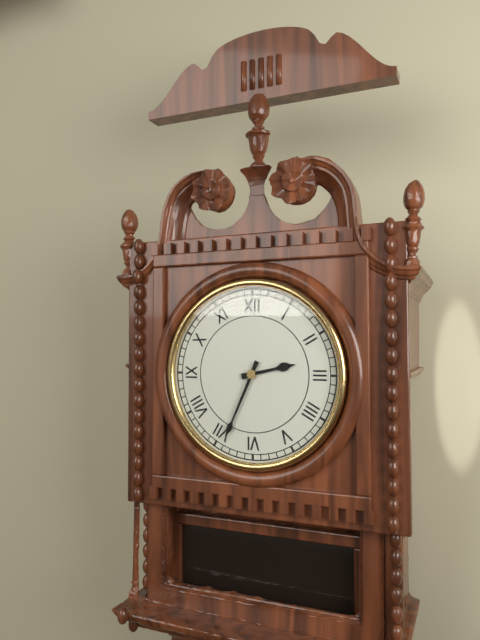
2:34
